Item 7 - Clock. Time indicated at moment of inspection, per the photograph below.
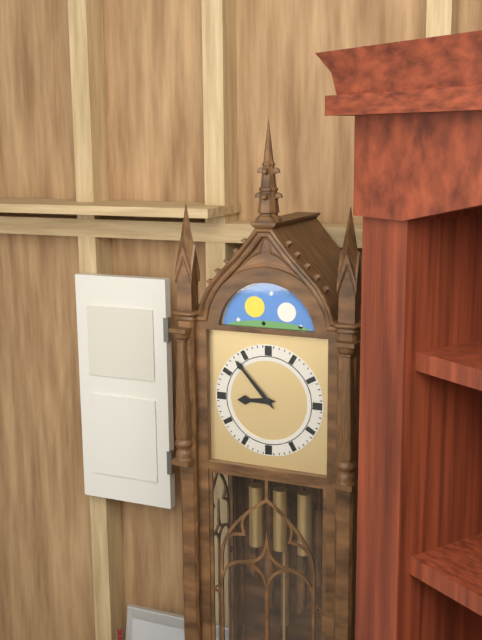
8:53
